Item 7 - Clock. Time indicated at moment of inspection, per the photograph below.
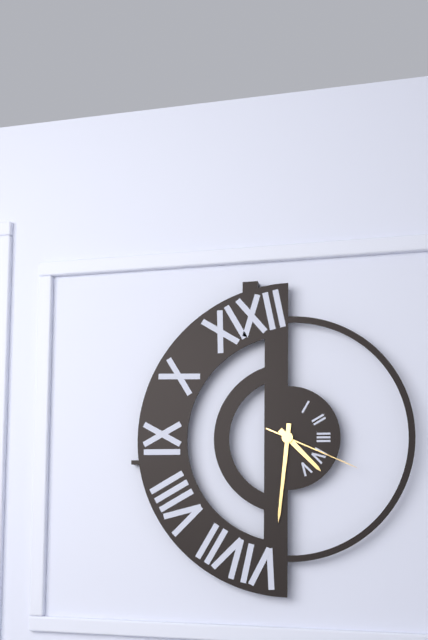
4:31:19
